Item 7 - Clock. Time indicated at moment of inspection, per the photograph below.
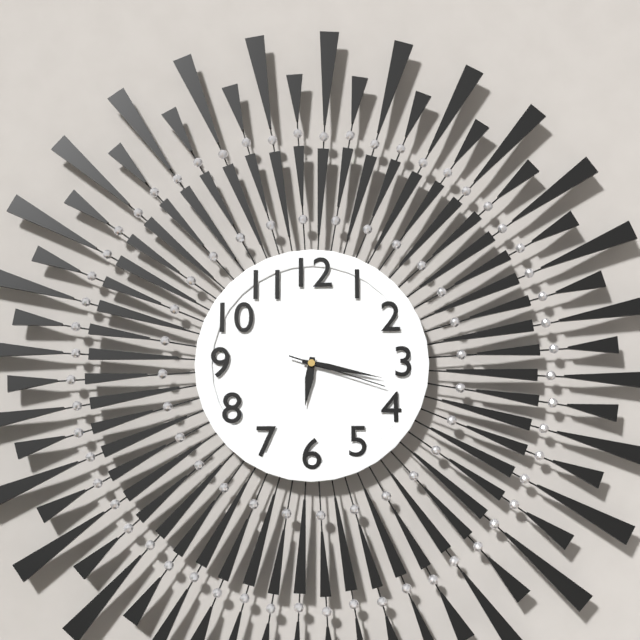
6:17:18
